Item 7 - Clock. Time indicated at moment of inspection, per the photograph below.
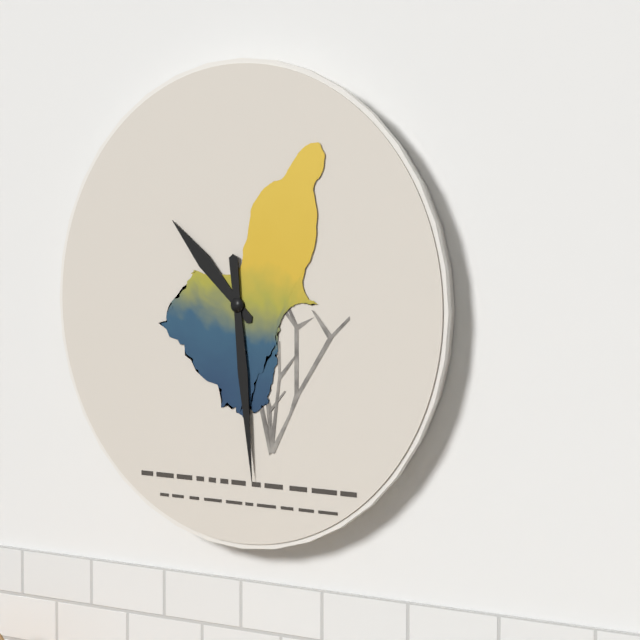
10:29
